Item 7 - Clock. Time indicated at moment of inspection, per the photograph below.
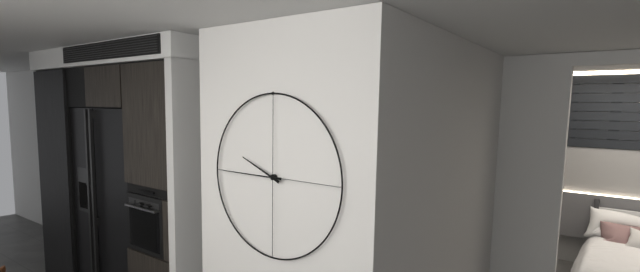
9:45
